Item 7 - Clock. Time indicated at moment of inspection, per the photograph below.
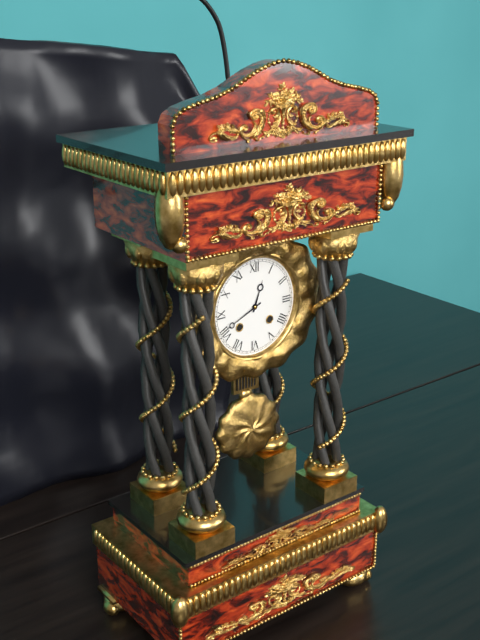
12:41
